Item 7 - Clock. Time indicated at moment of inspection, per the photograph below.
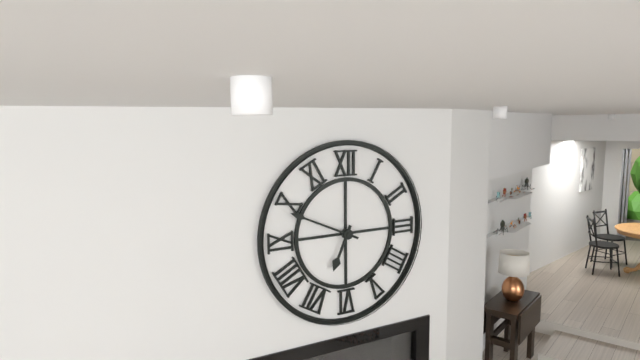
6:49
